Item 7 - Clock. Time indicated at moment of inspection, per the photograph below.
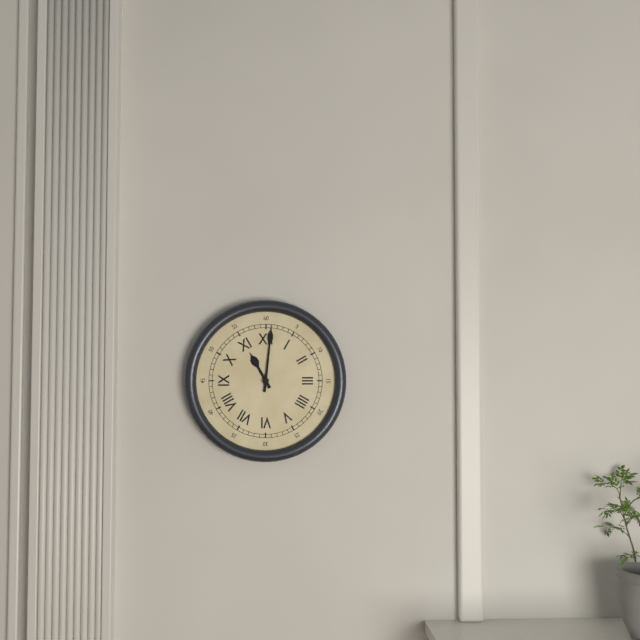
11:01
